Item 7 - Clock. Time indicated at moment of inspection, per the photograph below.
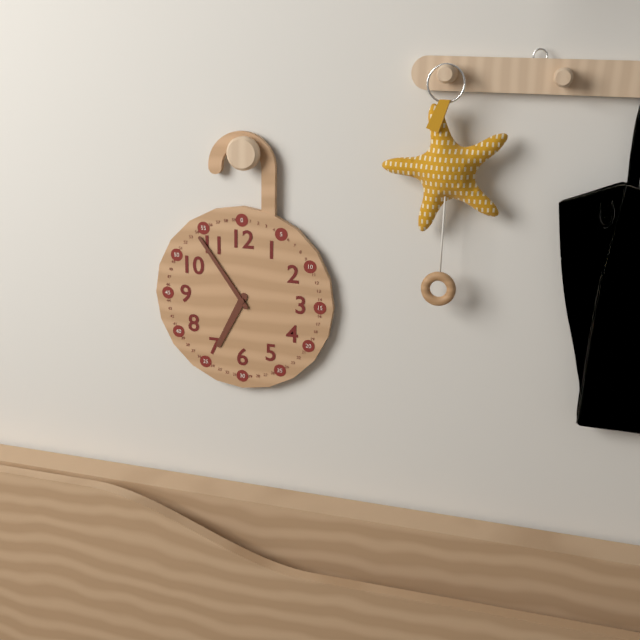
6:54
